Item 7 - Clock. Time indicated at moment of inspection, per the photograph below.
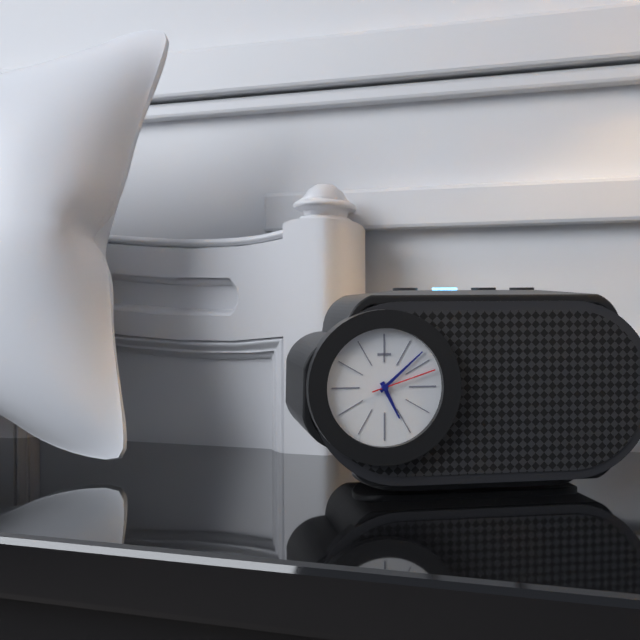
5:08:12
